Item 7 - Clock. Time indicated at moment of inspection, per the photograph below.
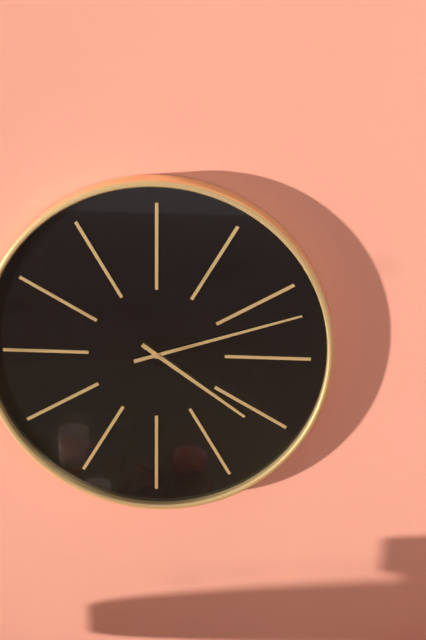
4:12
